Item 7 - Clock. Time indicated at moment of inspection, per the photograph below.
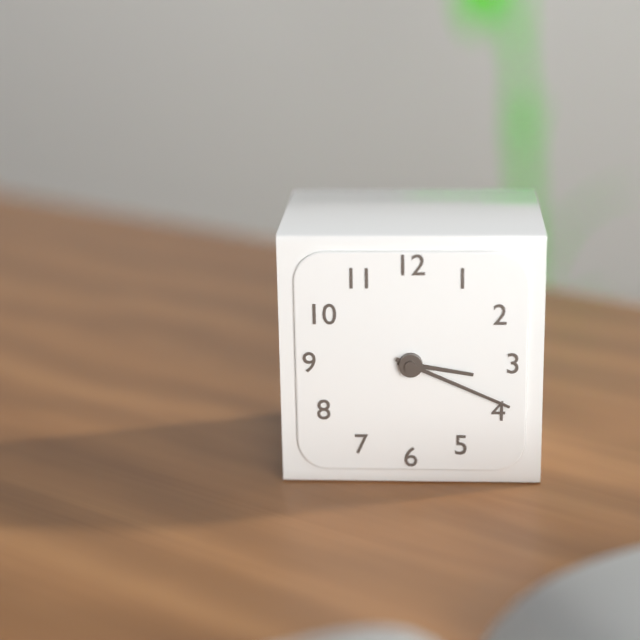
3:19
